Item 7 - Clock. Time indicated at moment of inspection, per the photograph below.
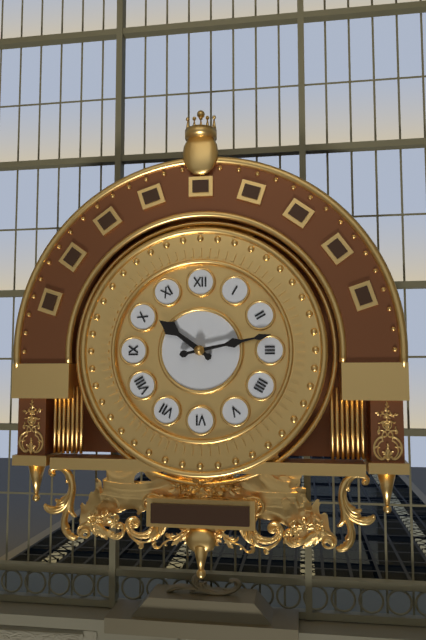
10:13
